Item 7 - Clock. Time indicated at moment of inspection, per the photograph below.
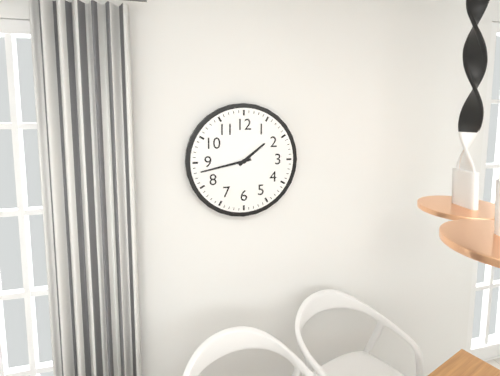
1:43
